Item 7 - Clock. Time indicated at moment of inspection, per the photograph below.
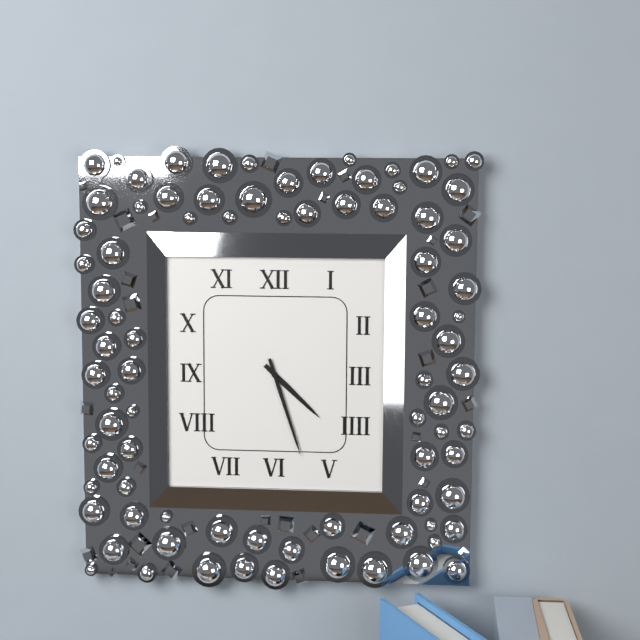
4:27
